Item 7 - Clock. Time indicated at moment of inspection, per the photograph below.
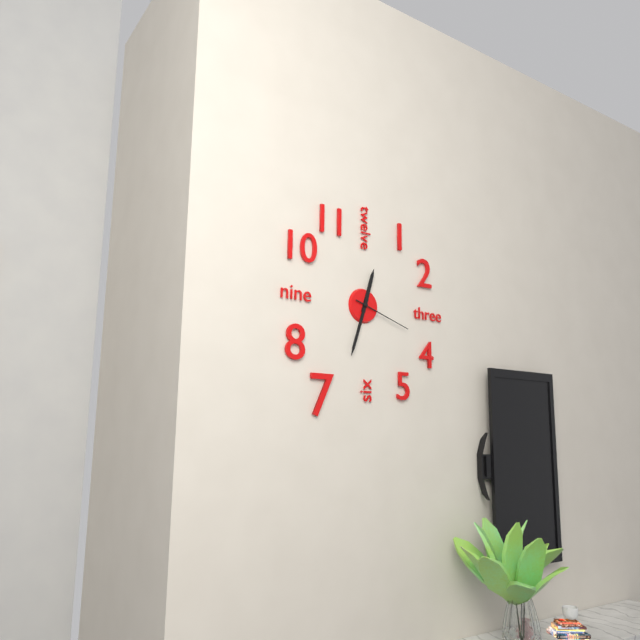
12:33:18
